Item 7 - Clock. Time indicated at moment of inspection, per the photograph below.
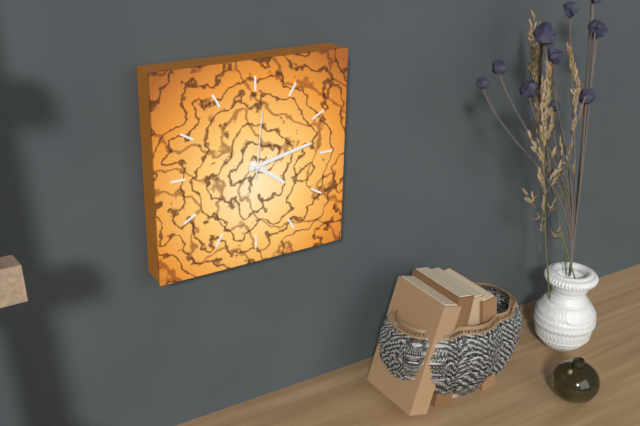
4:13:01
